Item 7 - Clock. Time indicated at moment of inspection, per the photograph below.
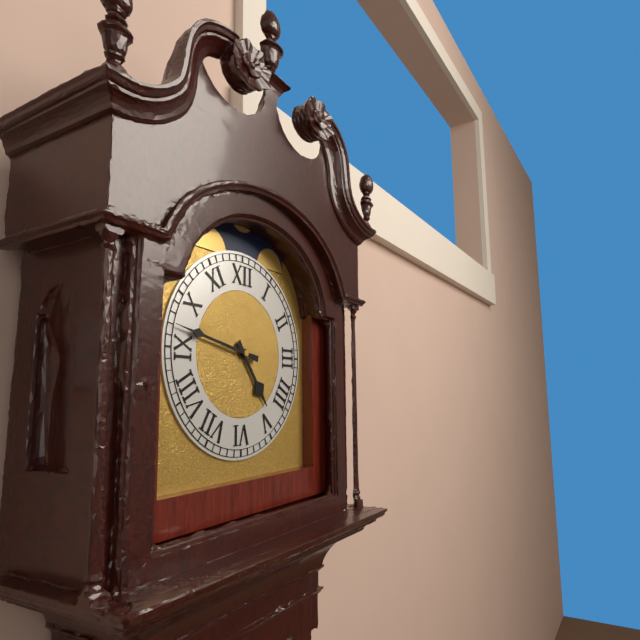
4:47
